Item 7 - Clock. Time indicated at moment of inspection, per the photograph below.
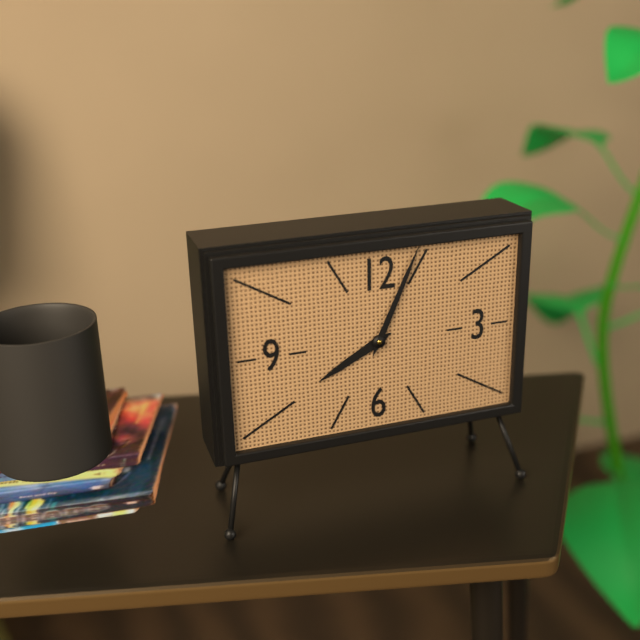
8:04
